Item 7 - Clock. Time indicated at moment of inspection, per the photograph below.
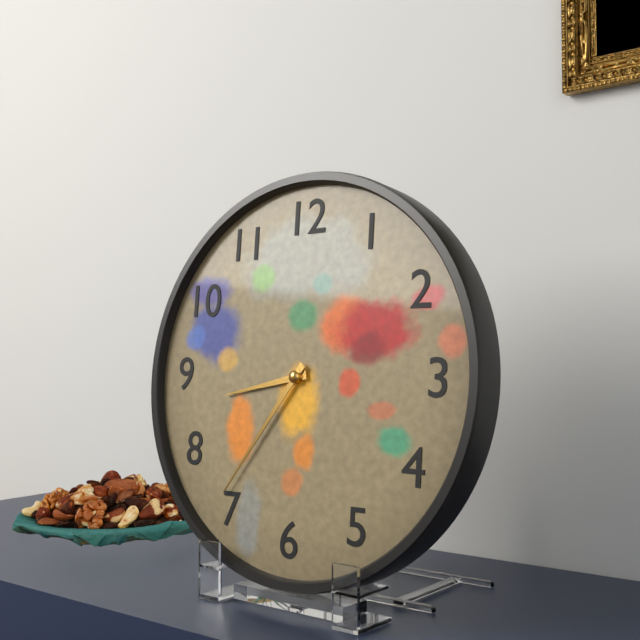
8:36
